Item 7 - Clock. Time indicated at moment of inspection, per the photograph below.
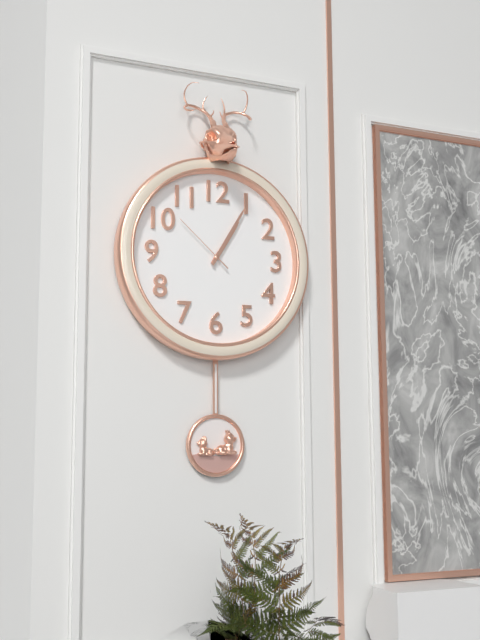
1:05:52
